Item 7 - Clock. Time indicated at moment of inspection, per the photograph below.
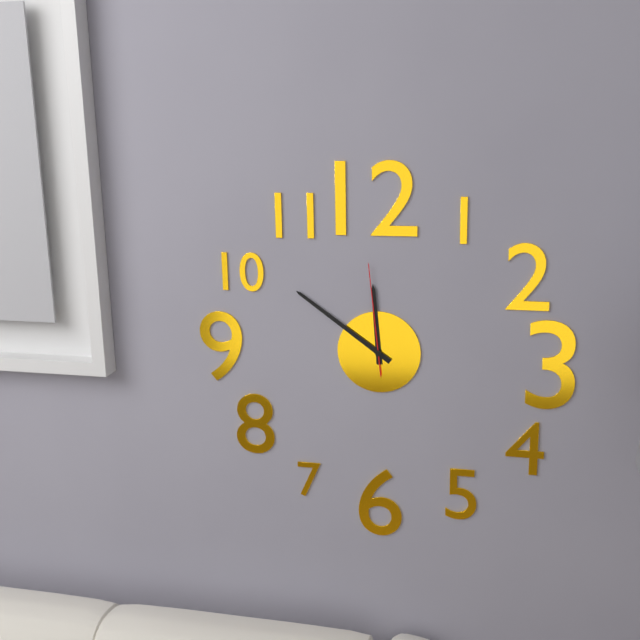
11:51:59
